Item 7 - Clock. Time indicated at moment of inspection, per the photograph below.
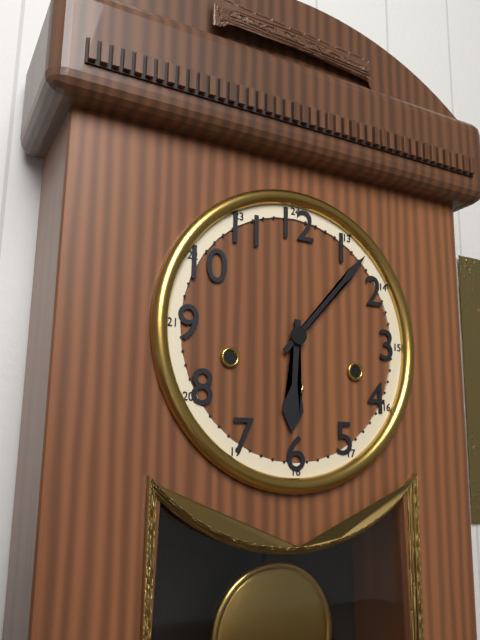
6:07
